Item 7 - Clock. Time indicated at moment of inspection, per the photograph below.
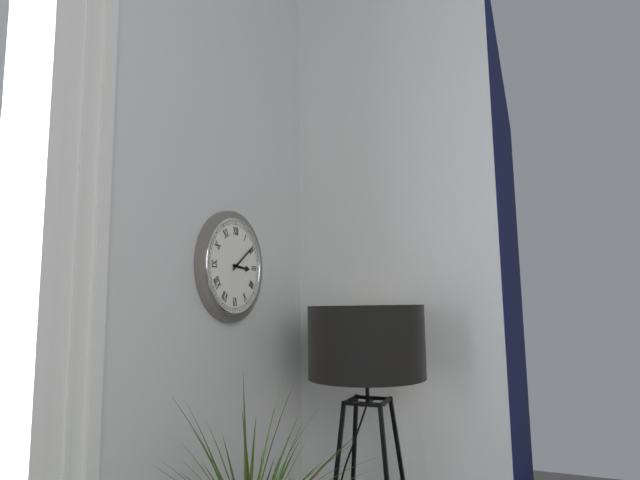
3:09
